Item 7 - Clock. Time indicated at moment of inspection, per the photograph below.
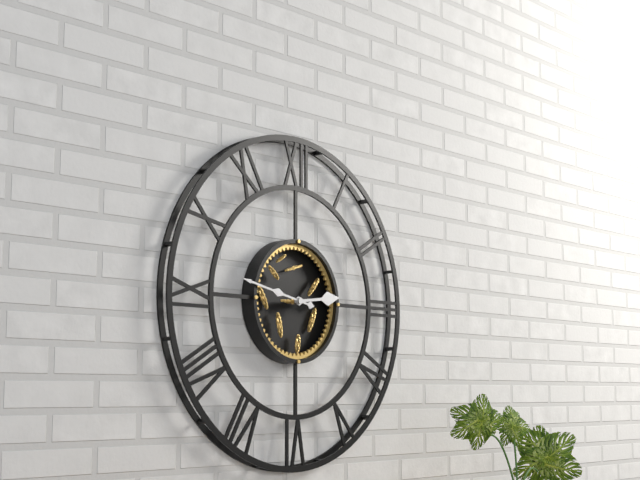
2:47
